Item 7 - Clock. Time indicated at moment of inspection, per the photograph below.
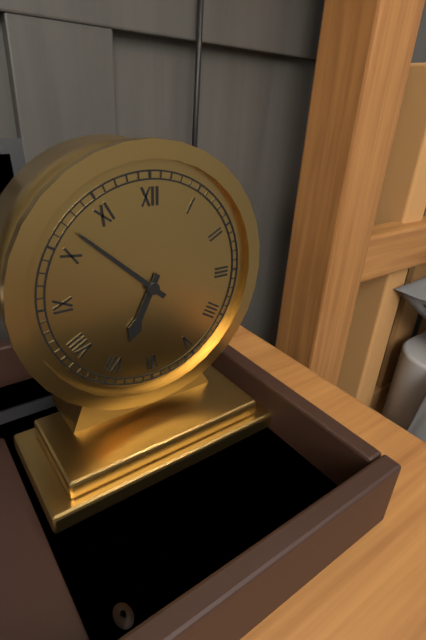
6:52
